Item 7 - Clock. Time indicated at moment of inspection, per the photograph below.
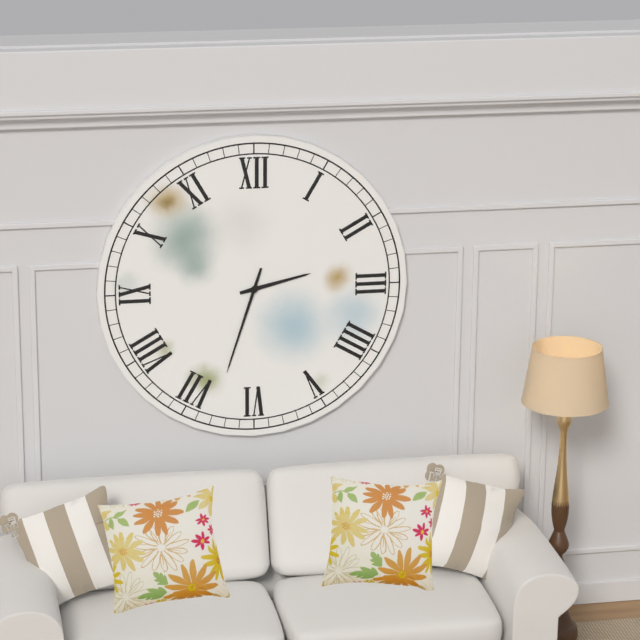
2:33
